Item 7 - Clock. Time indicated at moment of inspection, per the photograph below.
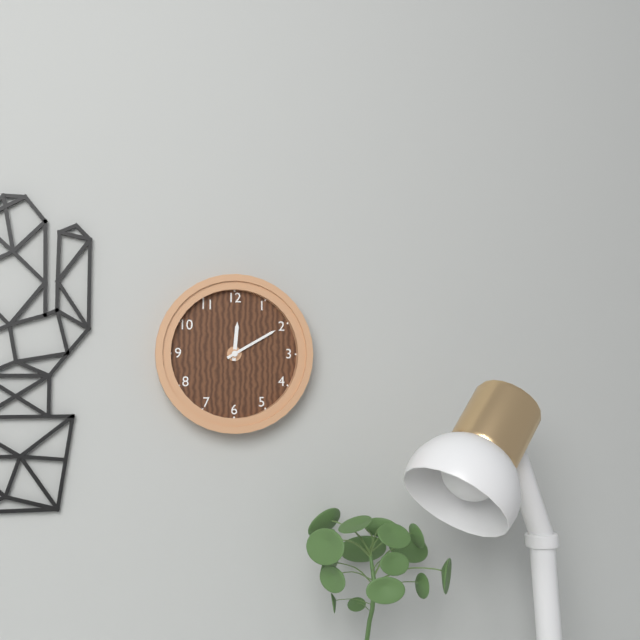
12:10
